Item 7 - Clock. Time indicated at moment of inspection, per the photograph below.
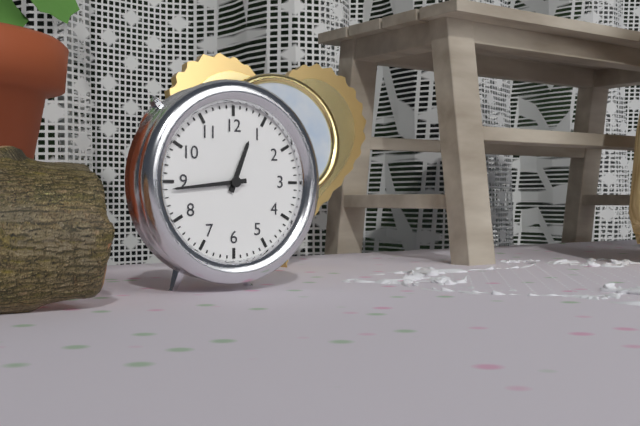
12:44
